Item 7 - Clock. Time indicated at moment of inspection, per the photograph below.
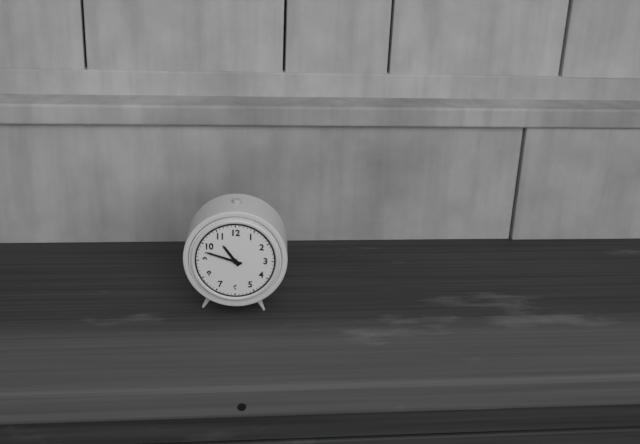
10:48
